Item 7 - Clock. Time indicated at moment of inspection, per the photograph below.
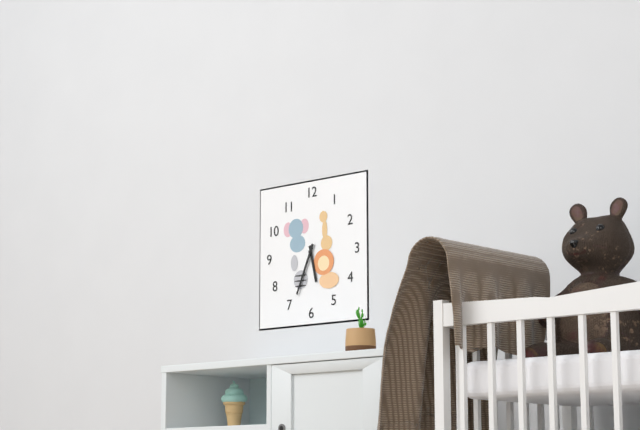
5:34
